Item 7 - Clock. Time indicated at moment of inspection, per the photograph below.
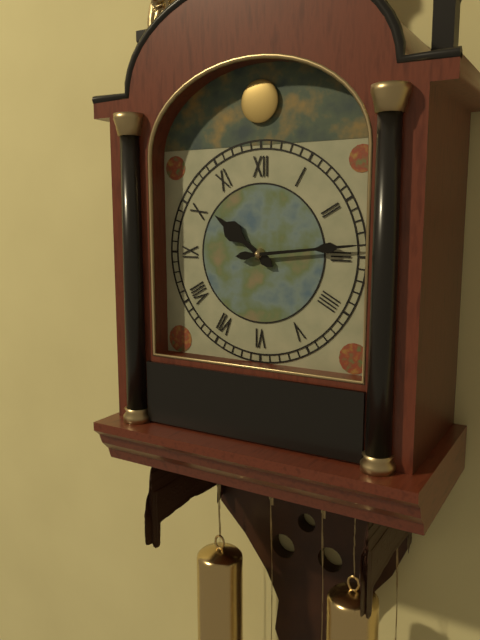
10:14
